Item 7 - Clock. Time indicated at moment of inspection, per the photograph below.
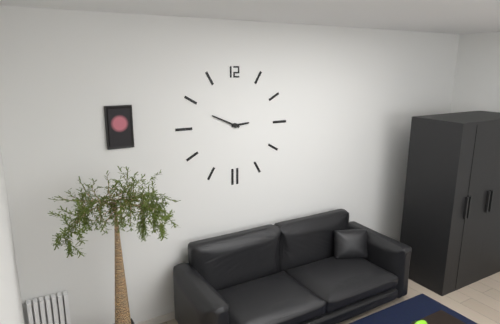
2:49
